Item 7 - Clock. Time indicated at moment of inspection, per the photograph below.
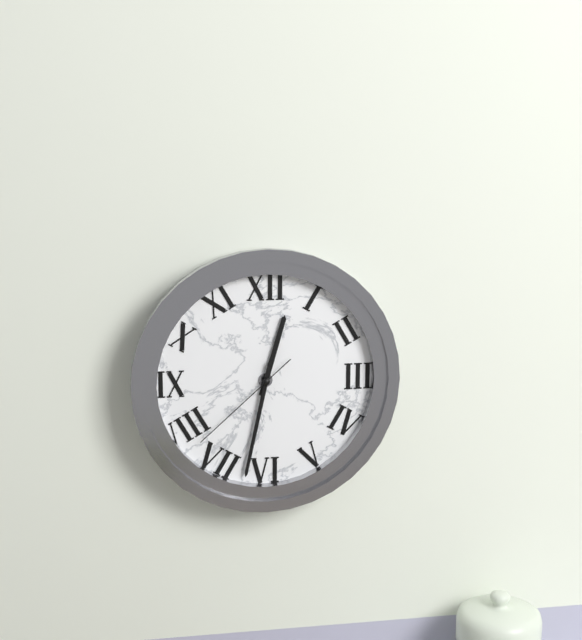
12:32:38
